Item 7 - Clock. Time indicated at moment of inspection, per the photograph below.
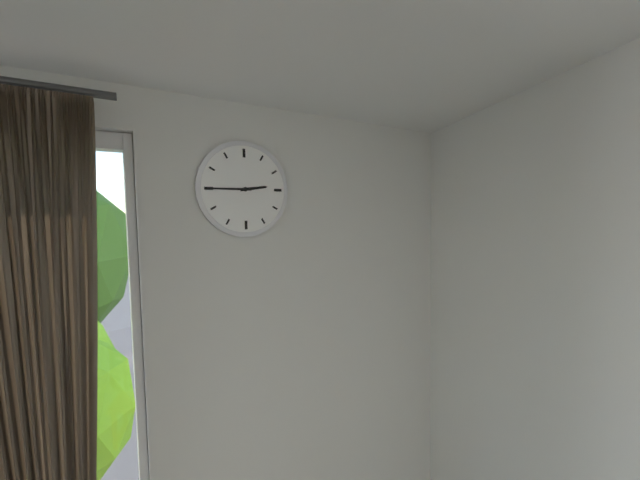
2:45
